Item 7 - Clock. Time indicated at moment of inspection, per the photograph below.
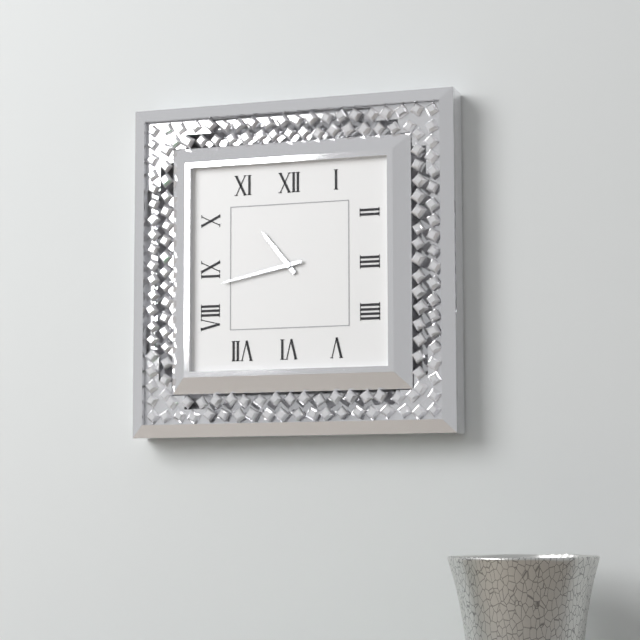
10:43
